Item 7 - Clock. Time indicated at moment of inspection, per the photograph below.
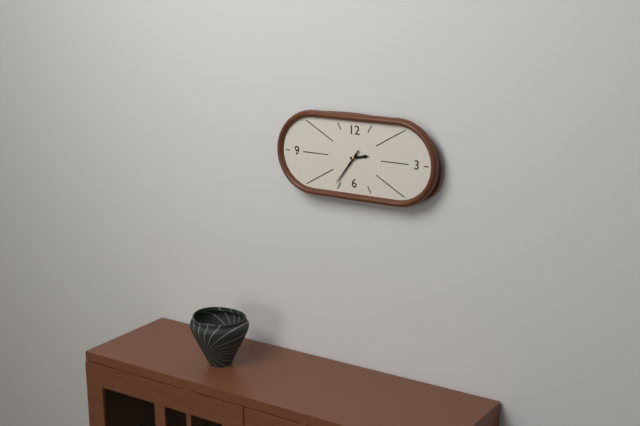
2:36
